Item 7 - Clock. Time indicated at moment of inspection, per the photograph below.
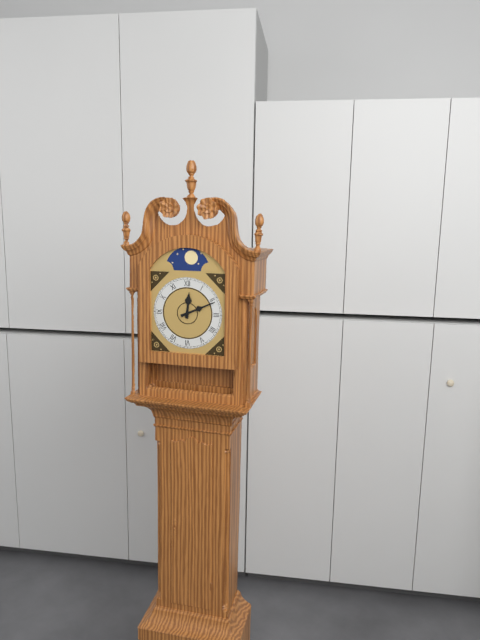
12:11
